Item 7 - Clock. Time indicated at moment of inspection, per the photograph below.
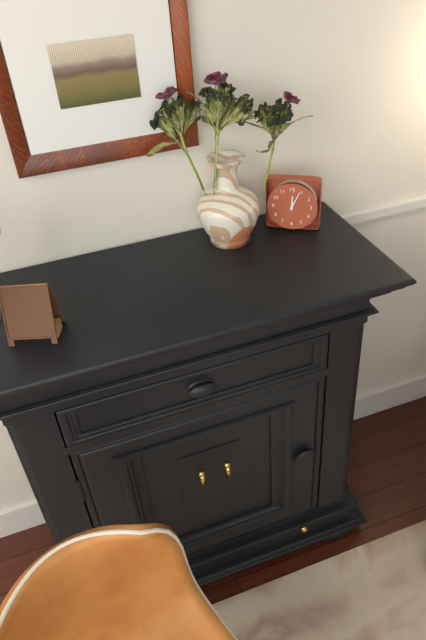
12:04
